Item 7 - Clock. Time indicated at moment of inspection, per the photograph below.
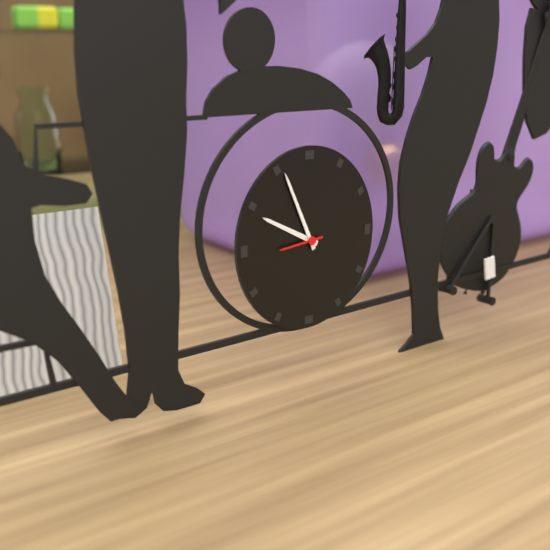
9:56
